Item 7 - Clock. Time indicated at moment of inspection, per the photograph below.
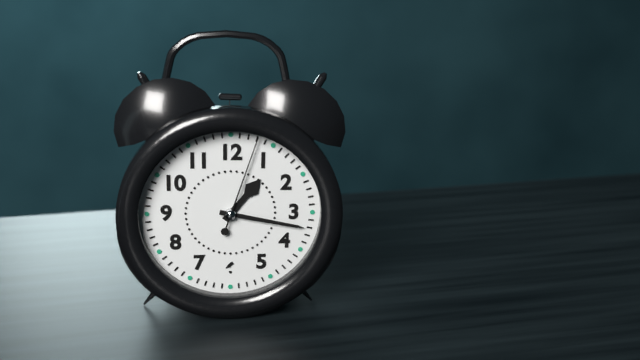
1:17:03
